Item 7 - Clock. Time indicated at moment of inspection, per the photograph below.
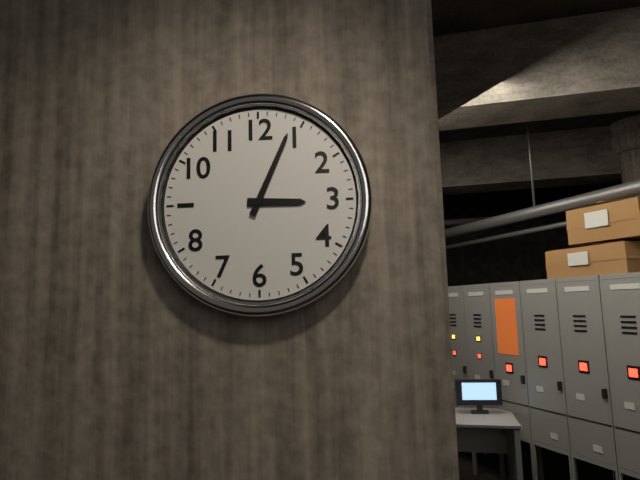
3:04
